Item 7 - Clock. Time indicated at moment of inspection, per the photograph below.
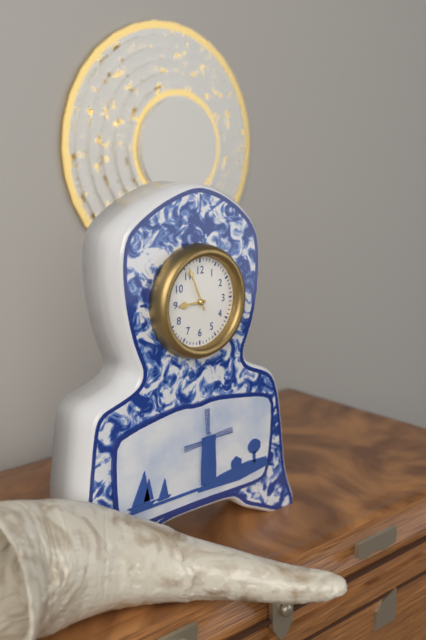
8:56
